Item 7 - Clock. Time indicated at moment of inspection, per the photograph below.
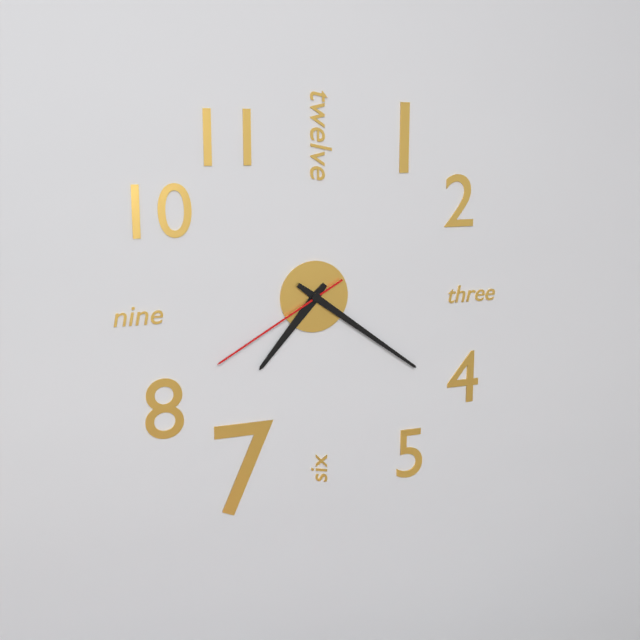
7:21:40
